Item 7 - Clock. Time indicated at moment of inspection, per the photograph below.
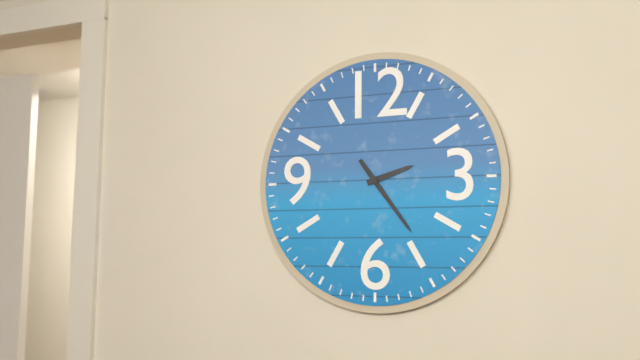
2:24
